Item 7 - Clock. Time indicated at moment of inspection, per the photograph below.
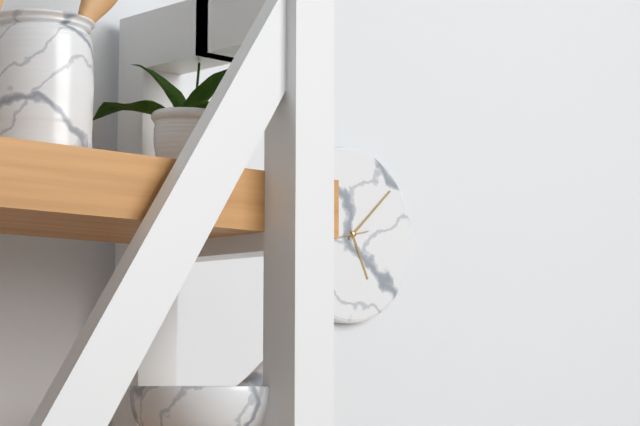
5:08
